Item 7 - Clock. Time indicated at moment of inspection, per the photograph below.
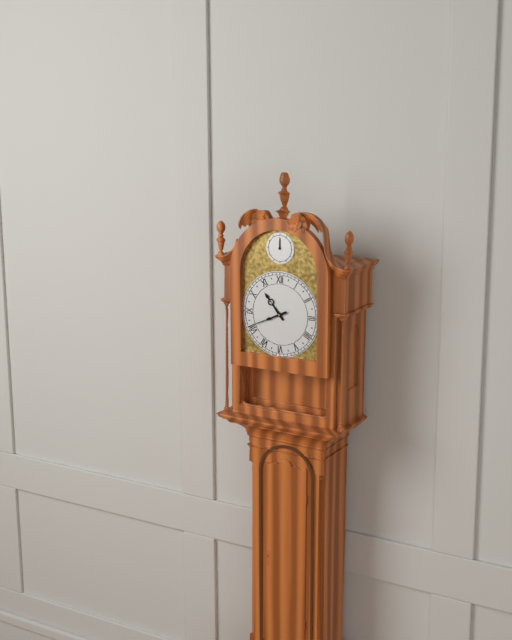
10:41
